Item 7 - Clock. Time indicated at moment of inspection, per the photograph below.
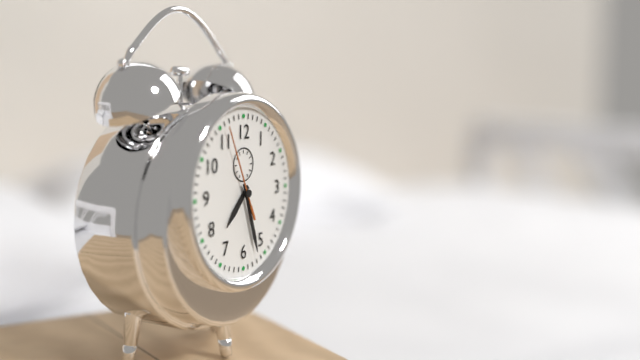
7:27:56
